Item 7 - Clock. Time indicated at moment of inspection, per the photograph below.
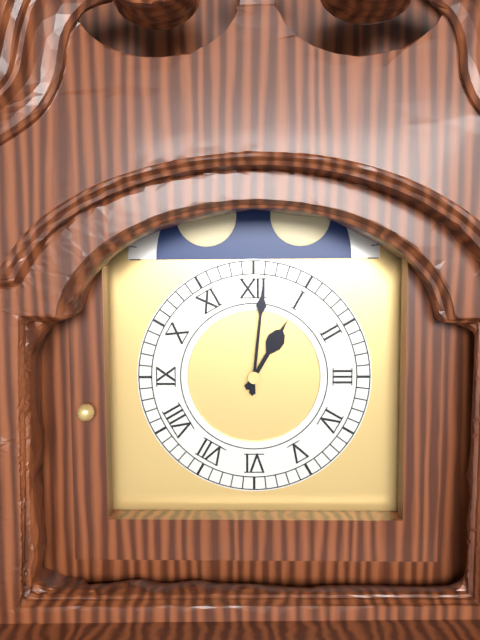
1:01
